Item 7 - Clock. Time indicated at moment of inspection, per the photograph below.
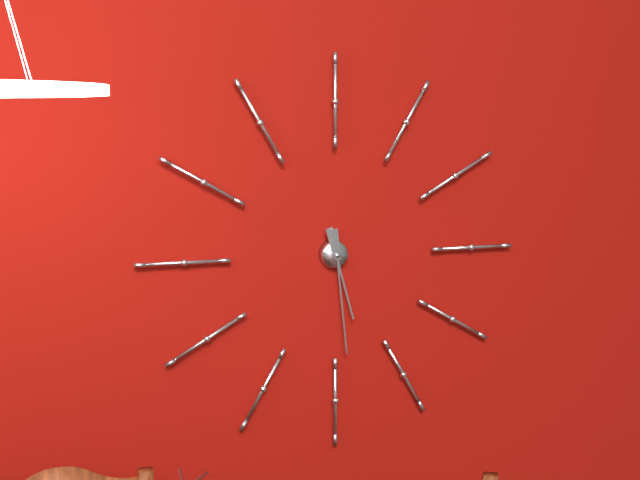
5:29
